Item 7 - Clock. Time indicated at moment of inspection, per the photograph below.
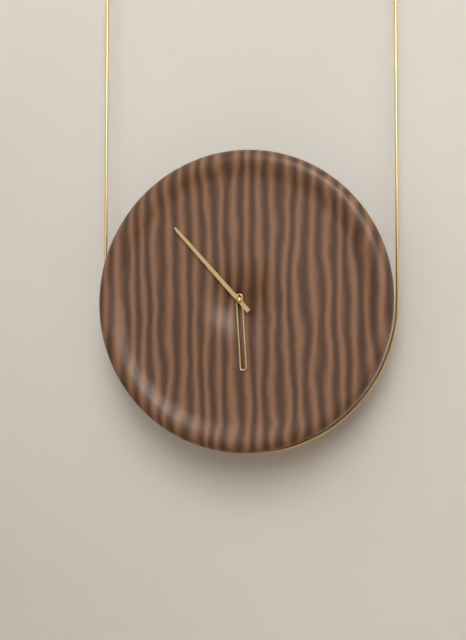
5:53
